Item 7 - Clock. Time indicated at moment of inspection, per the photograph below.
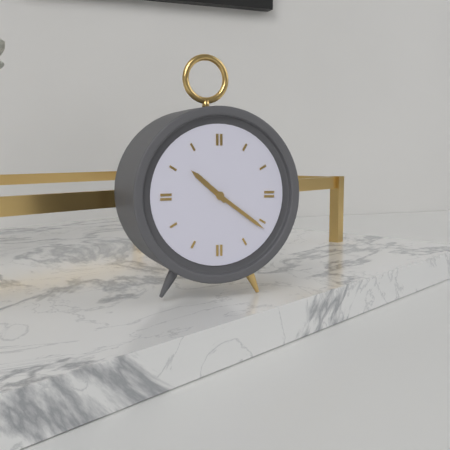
10:21
